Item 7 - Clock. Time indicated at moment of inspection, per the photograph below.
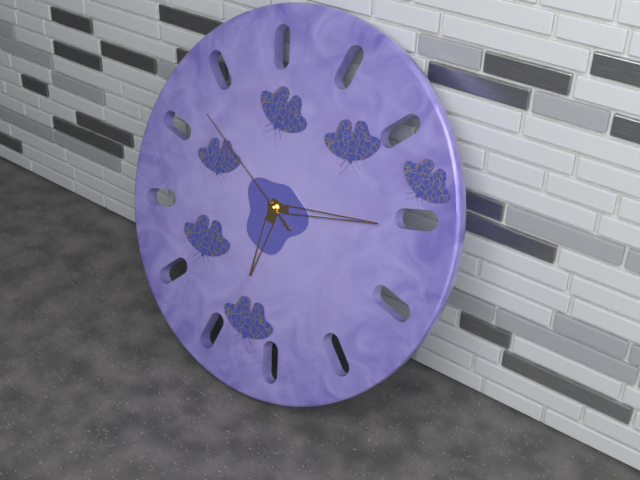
6:13:50
